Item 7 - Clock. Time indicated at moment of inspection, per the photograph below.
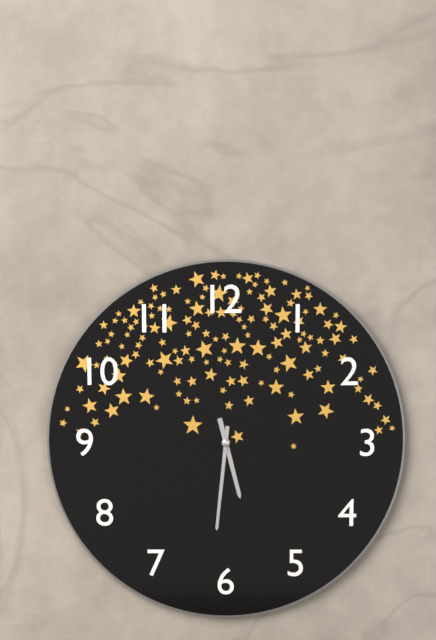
5:31
